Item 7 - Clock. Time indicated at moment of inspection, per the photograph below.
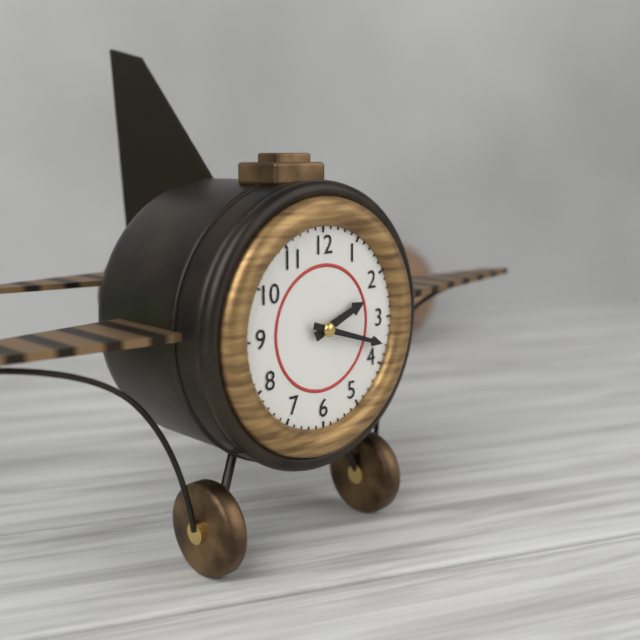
2:18
